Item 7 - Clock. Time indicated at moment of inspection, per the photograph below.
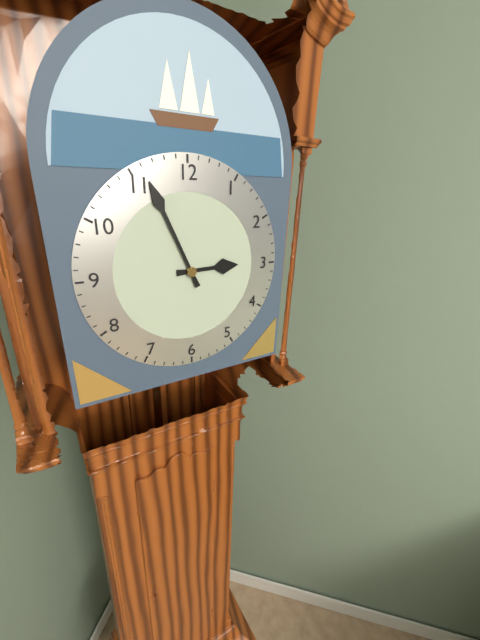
2:56
